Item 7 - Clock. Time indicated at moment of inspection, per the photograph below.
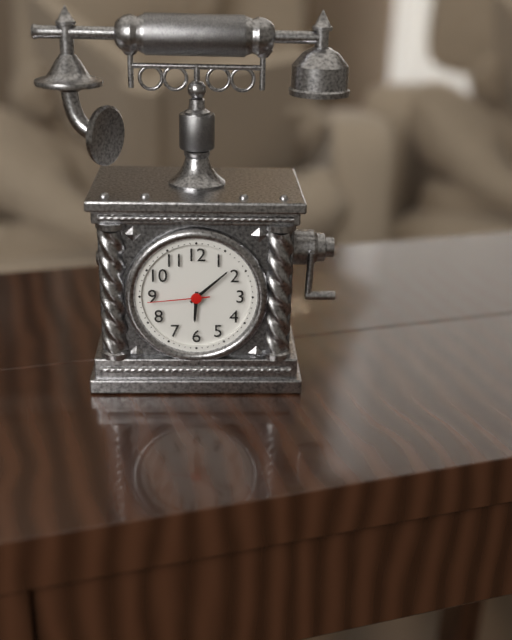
6:08:44
